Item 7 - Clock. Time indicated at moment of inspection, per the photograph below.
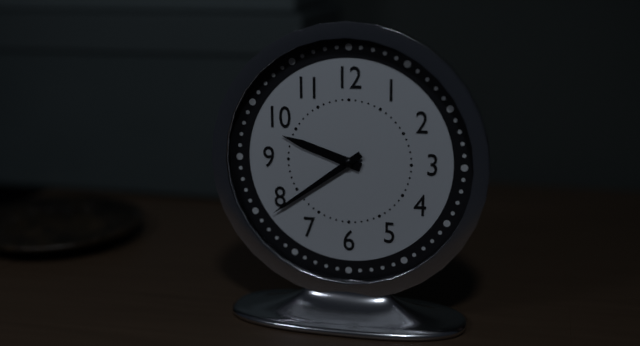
9:39
